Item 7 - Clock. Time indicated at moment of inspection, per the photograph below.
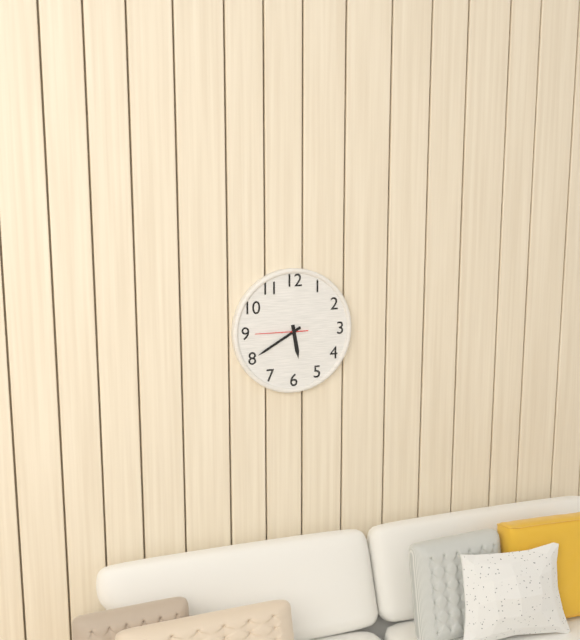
5:40
